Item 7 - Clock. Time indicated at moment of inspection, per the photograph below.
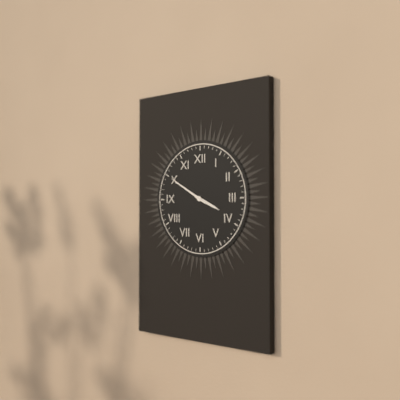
3:50
